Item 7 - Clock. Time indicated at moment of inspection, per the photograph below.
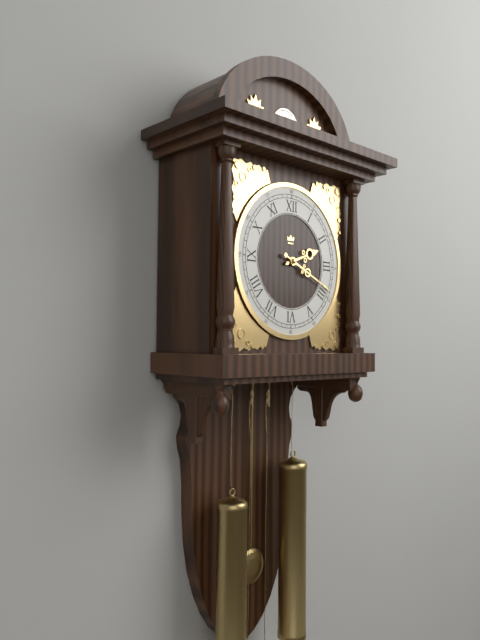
2:19
